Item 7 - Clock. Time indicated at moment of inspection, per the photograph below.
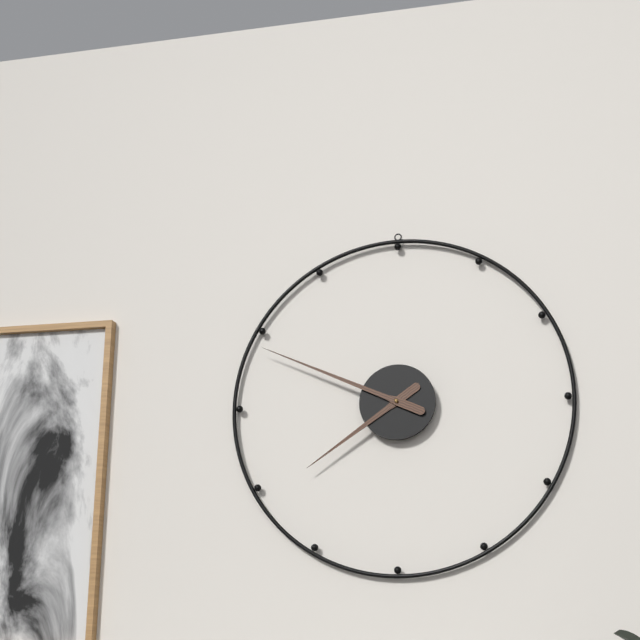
7:49
